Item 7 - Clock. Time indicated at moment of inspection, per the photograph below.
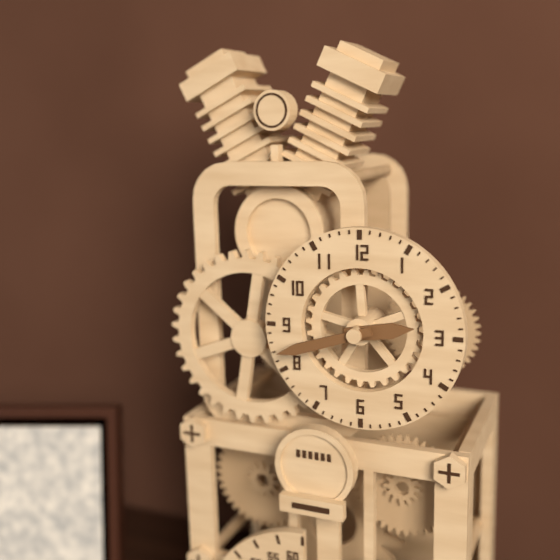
2:42
